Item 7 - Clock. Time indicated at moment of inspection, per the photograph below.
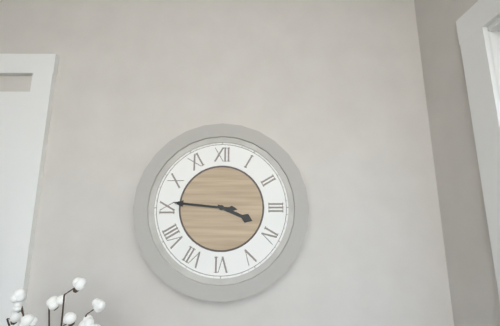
3:46
